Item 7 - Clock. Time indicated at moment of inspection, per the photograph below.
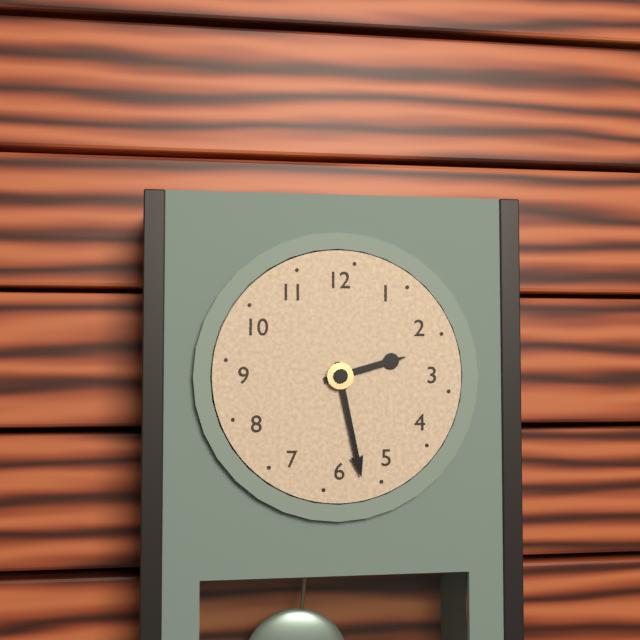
2:28
